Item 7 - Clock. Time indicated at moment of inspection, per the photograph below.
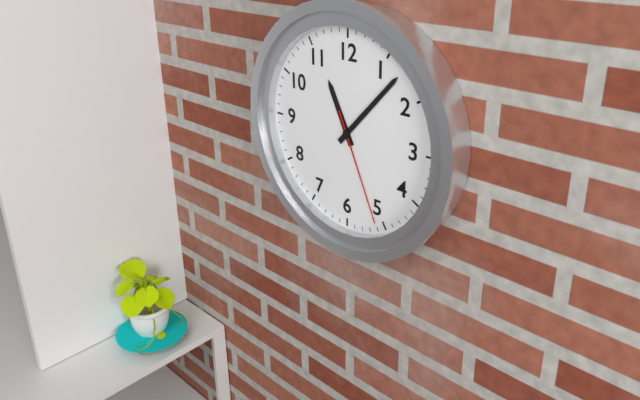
11:07:26
